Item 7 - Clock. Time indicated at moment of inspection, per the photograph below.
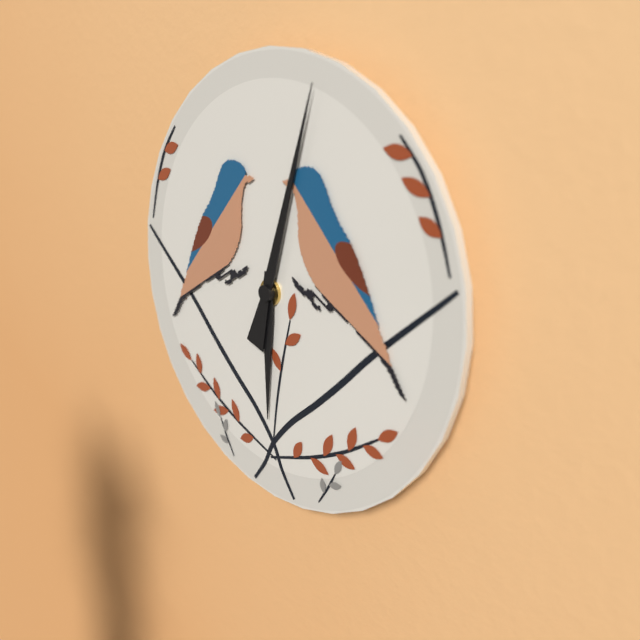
6:03
